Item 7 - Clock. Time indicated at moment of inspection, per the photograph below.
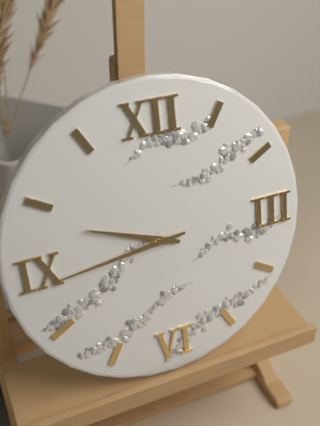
9:44
